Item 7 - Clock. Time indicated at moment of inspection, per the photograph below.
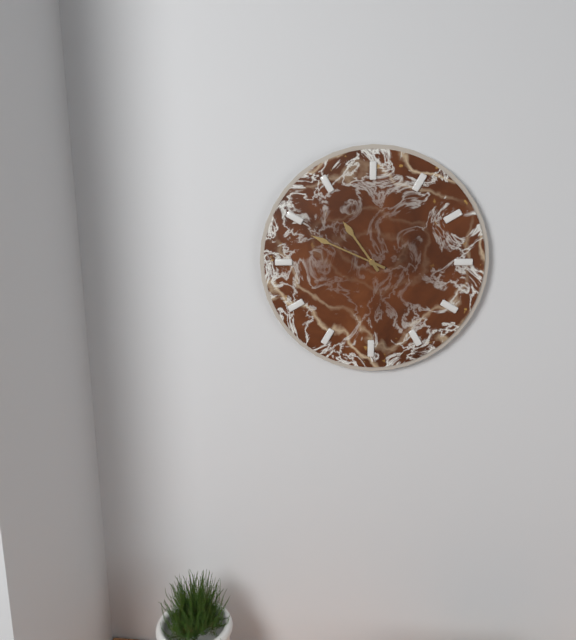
10:49
